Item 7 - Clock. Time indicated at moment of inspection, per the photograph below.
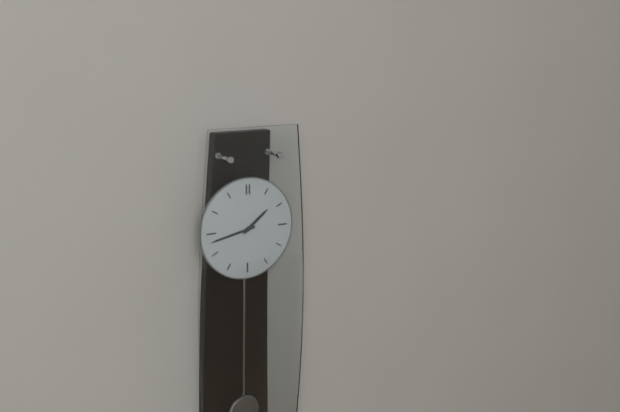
1:43
